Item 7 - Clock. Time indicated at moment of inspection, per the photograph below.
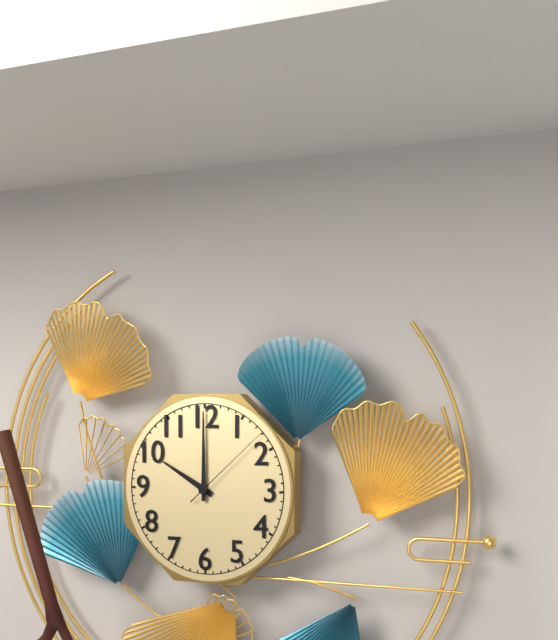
10:00:08
